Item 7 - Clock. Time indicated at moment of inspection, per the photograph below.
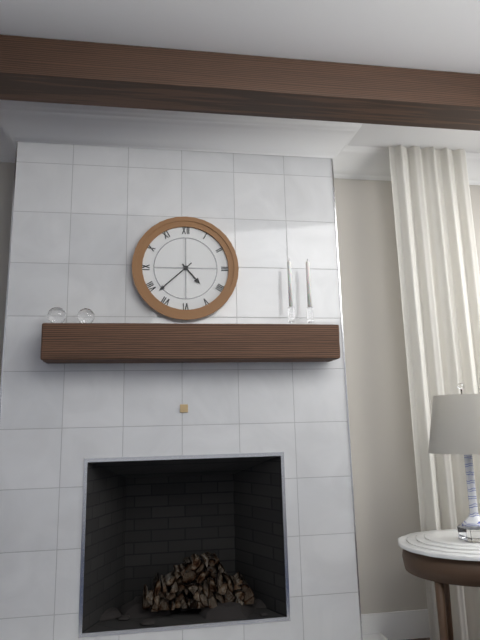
4:38
